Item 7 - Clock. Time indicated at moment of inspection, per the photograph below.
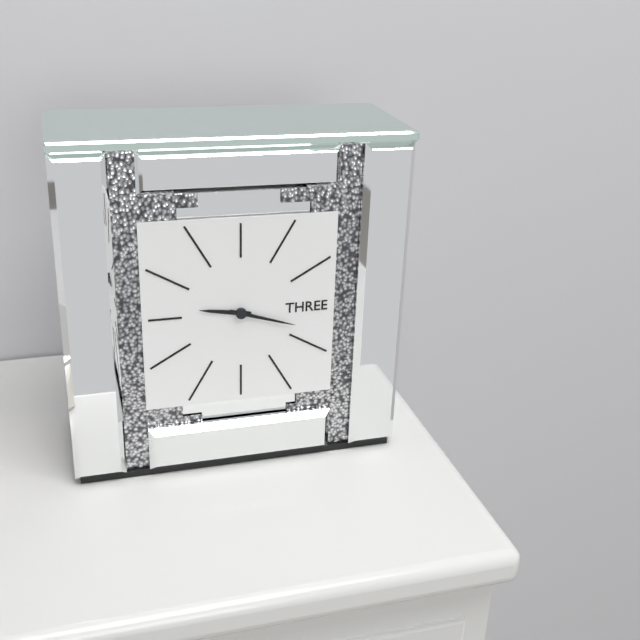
9:18
